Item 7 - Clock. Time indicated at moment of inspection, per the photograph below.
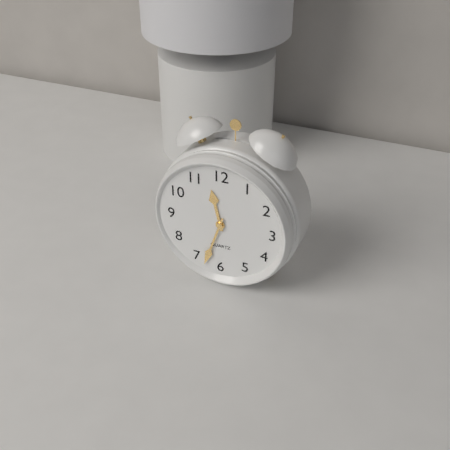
11:33
